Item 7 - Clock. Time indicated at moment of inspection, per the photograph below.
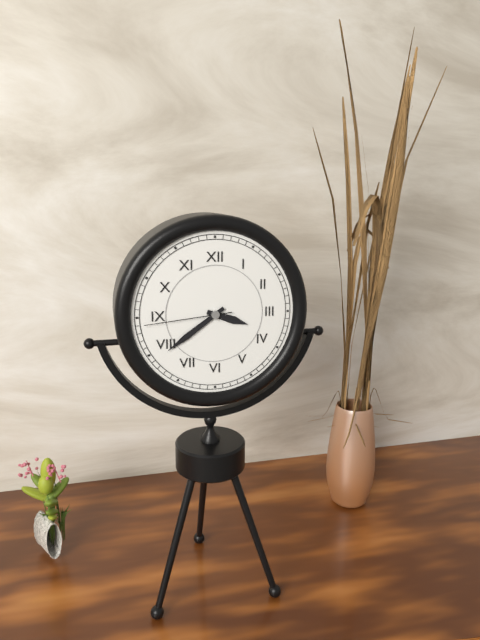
3:39:44
